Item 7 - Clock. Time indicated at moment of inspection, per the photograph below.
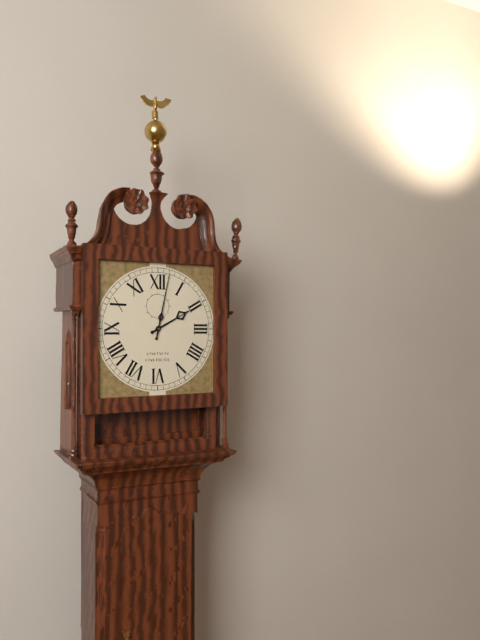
2:02
